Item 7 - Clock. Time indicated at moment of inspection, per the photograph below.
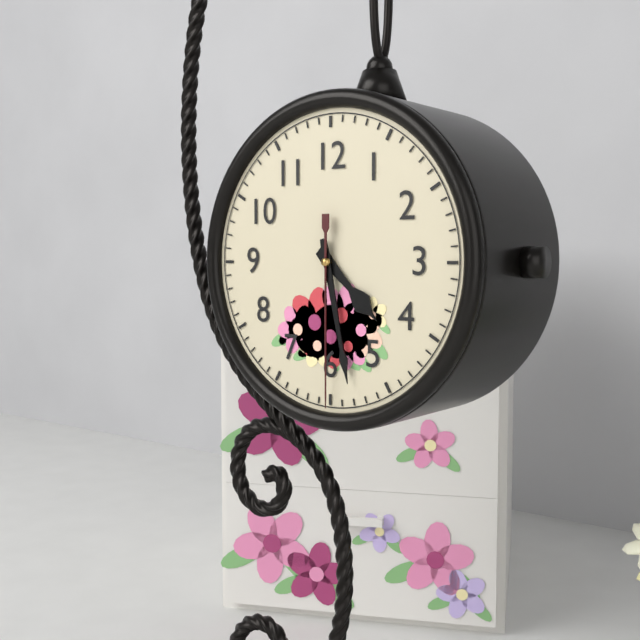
4:28:30
